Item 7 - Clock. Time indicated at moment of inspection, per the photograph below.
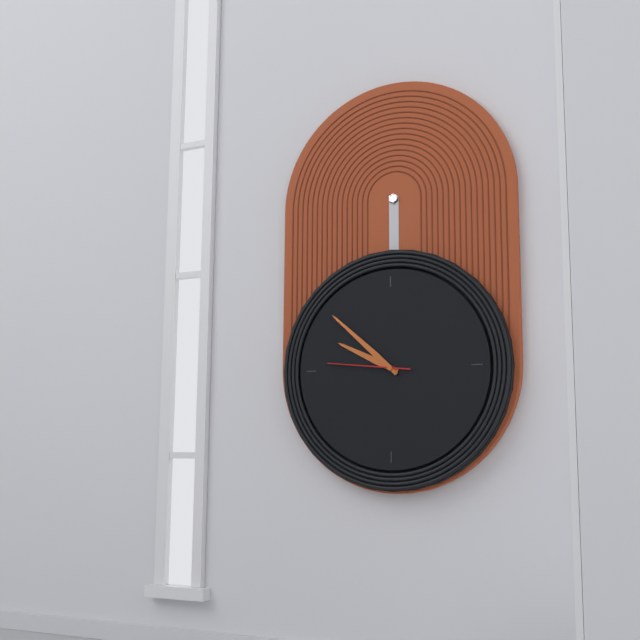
9:52:46
